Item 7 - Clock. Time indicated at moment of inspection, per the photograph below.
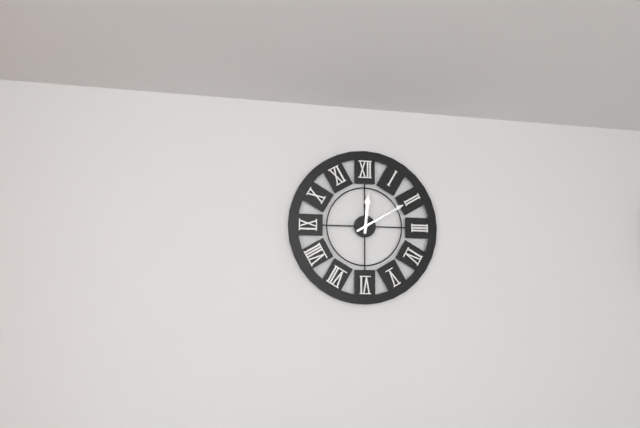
12:10
